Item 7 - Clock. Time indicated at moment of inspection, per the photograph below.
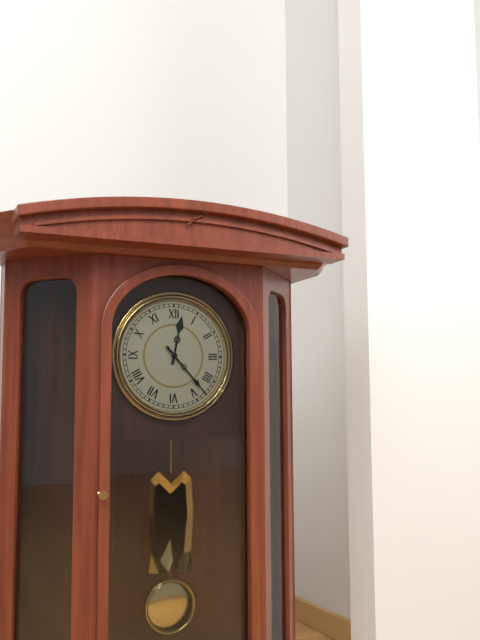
12:23
